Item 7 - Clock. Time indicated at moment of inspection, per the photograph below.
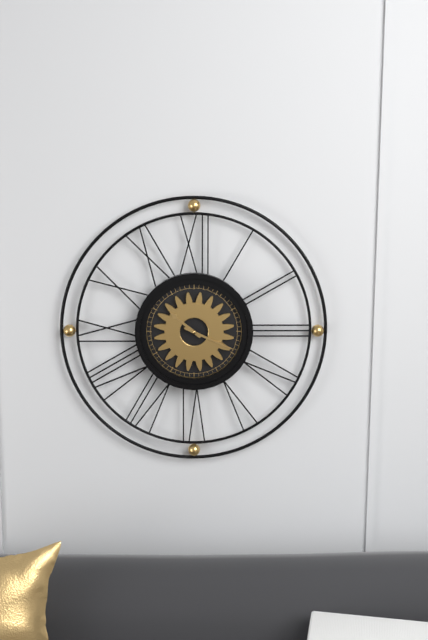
10:19
